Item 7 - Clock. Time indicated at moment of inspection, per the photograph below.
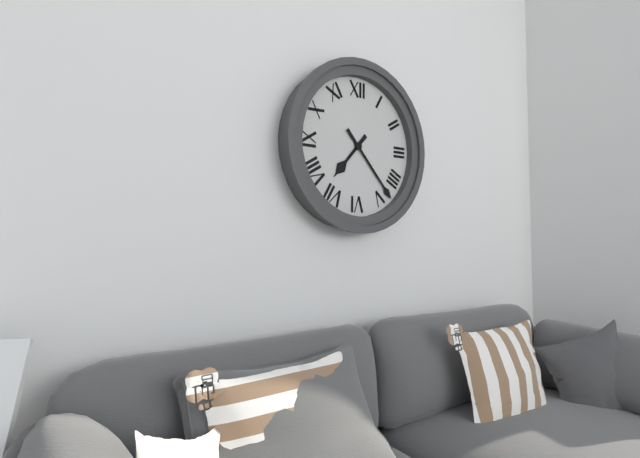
7:23
